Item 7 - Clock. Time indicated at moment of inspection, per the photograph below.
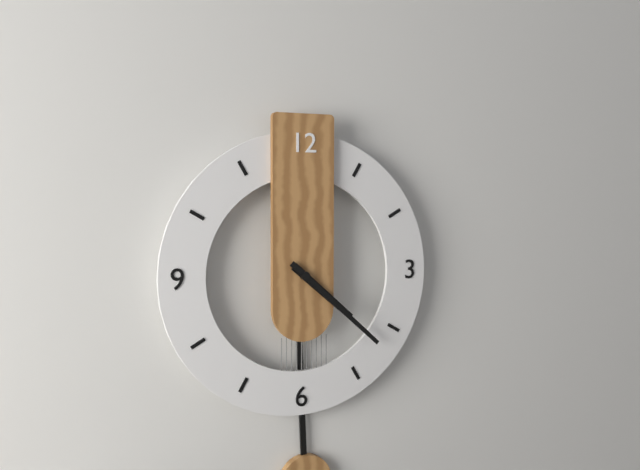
4:22
